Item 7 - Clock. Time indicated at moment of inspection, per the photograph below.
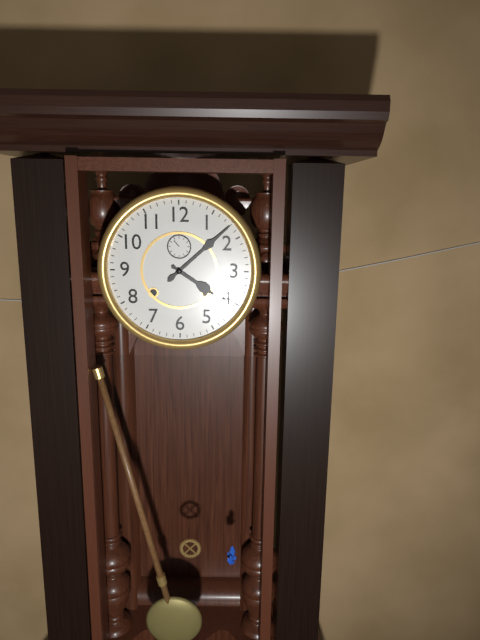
4:08
